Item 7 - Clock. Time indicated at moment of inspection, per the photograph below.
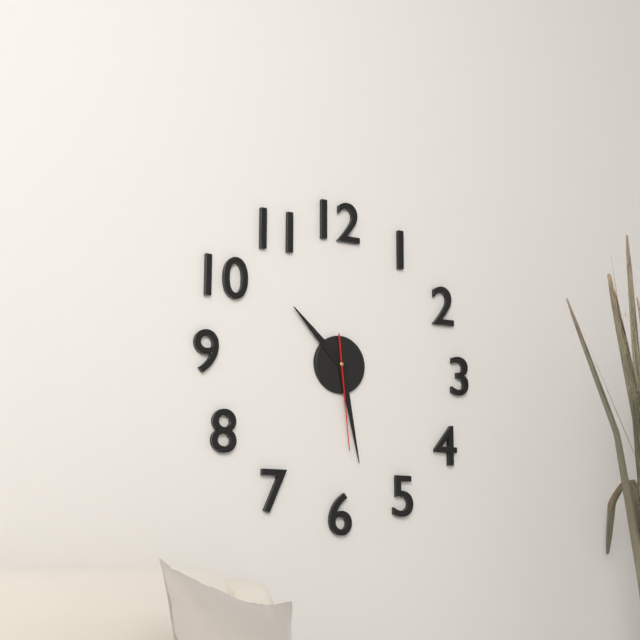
10:28:29
